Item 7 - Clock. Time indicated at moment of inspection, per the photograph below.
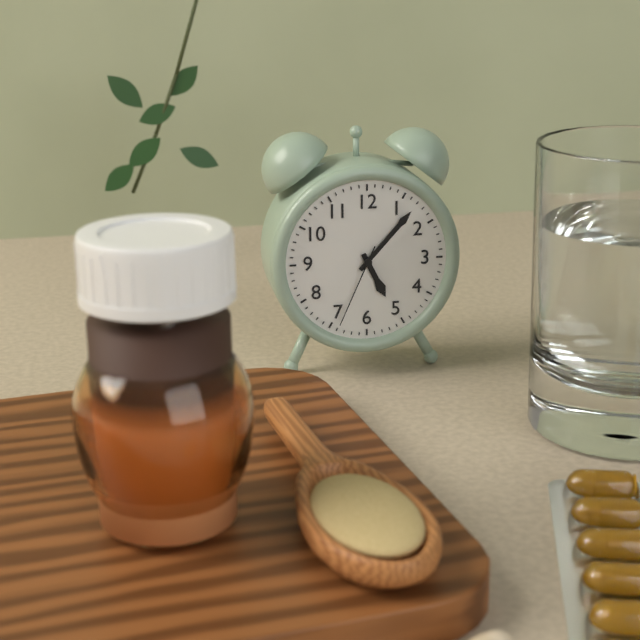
5:07:34
